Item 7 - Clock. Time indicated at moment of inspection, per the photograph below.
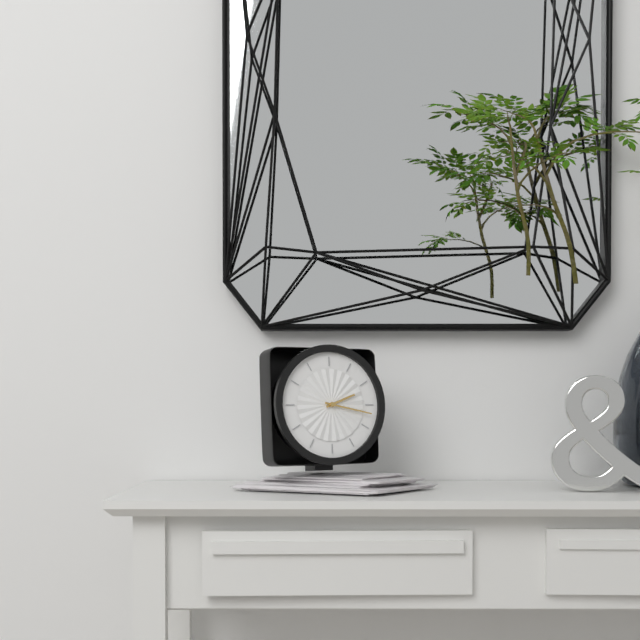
2:17
